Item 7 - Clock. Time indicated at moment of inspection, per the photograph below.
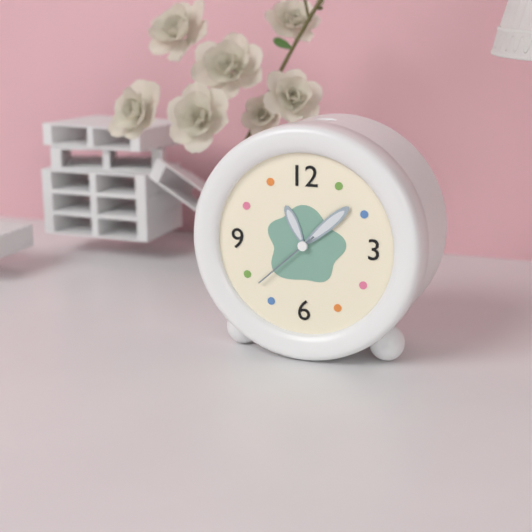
11:08:38
